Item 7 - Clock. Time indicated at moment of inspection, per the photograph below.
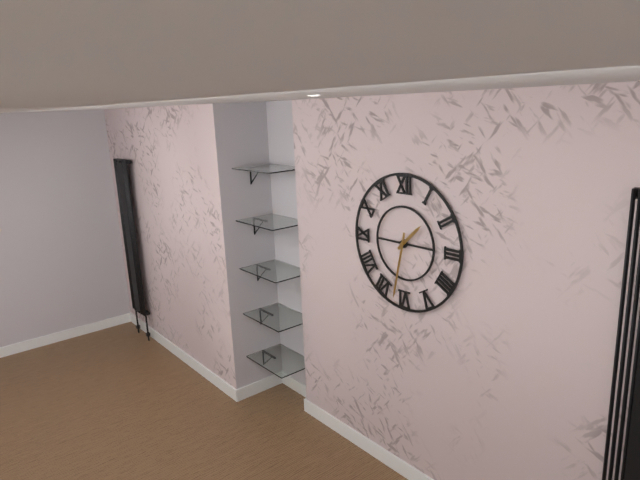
1:32
